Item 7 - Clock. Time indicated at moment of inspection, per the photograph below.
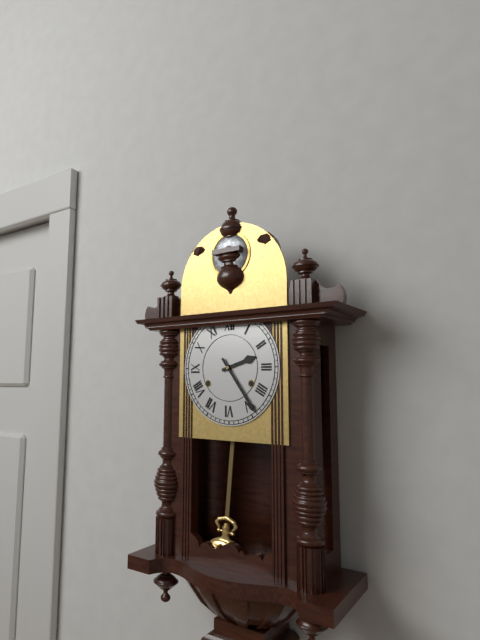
2:24
